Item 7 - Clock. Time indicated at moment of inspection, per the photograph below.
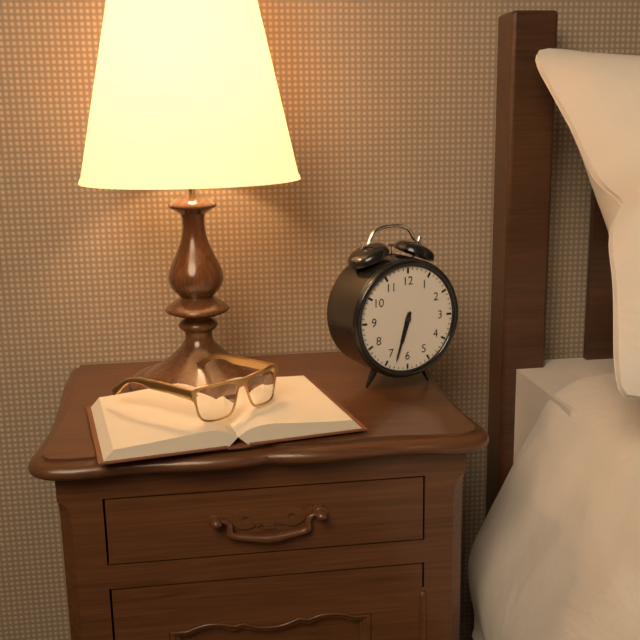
6:33
